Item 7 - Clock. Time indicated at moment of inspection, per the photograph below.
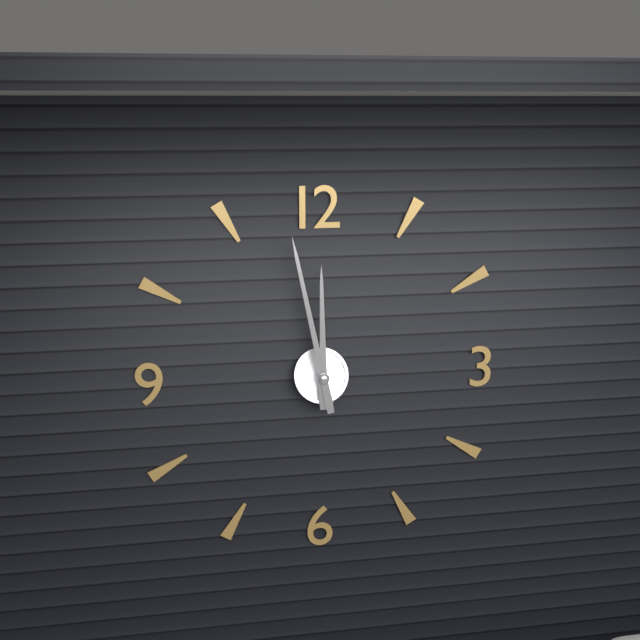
11:58
